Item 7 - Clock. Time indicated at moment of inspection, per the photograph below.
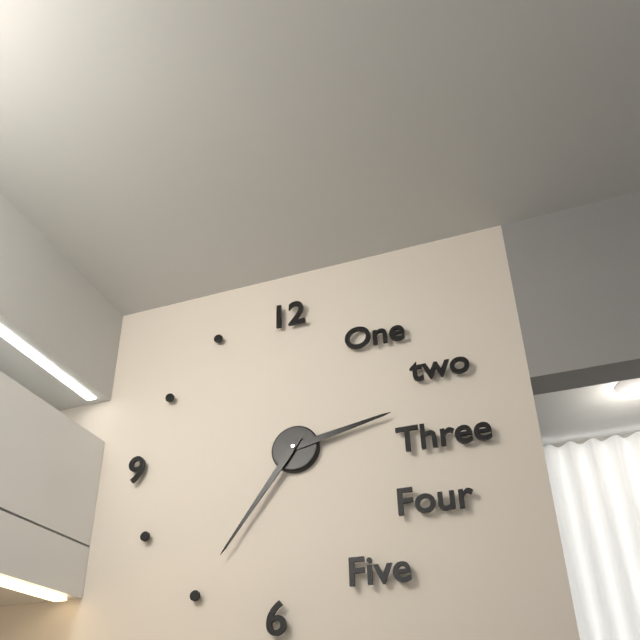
2:36
